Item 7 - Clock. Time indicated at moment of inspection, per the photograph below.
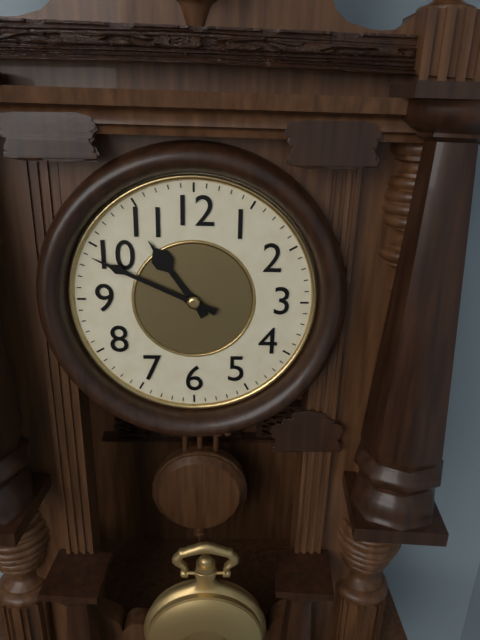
10:49
